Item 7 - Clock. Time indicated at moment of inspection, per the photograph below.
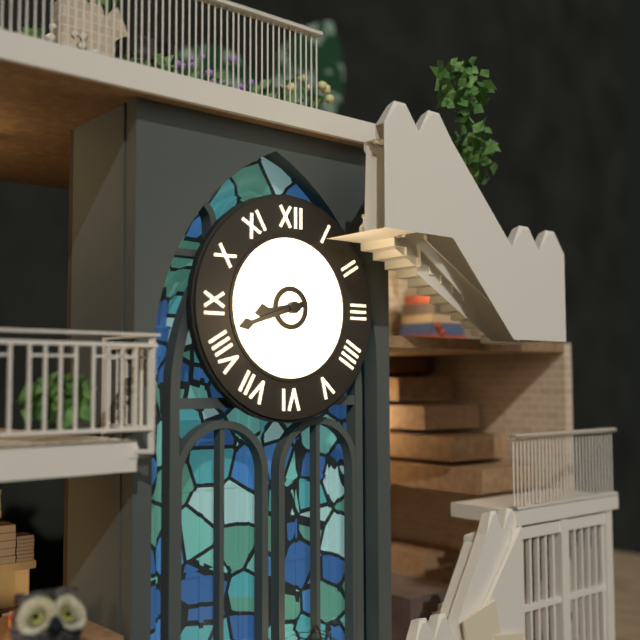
8:42
